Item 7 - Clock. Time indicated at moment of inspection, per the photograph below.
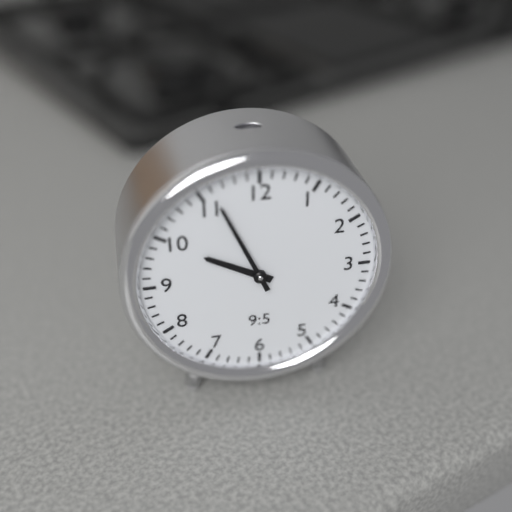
9:56
